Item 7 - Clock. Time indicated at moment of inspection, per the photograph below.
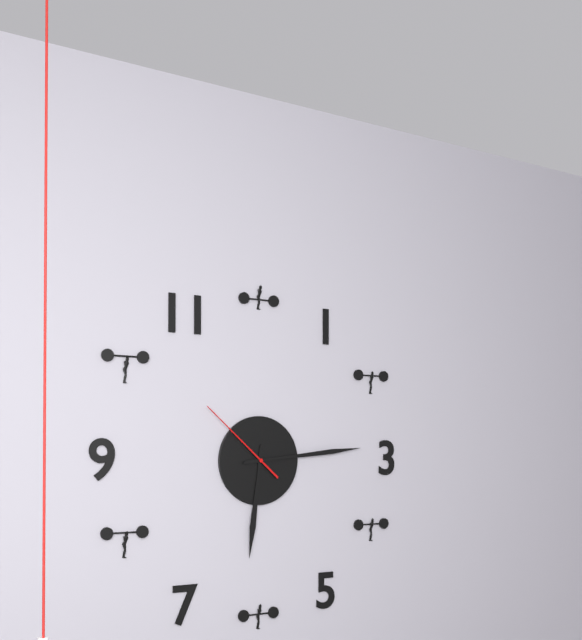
6:14:52
